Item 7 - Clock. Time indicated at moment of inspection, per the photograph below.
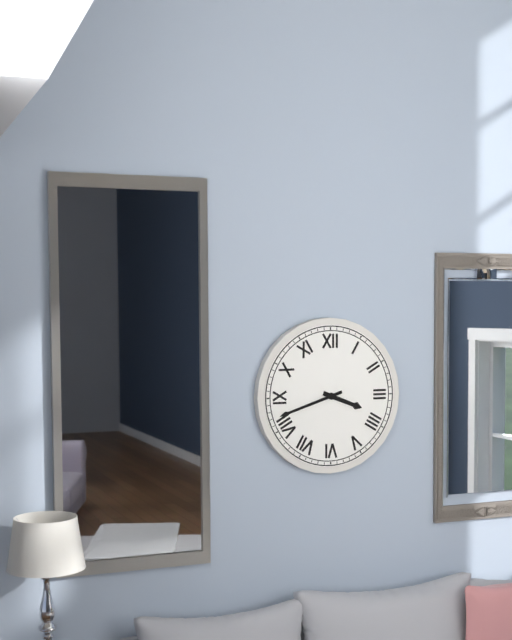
3:42
